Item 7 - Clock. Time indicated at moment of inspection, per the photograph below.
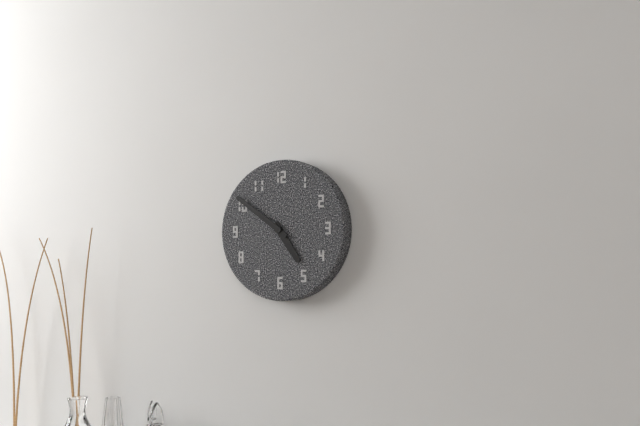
4:51
